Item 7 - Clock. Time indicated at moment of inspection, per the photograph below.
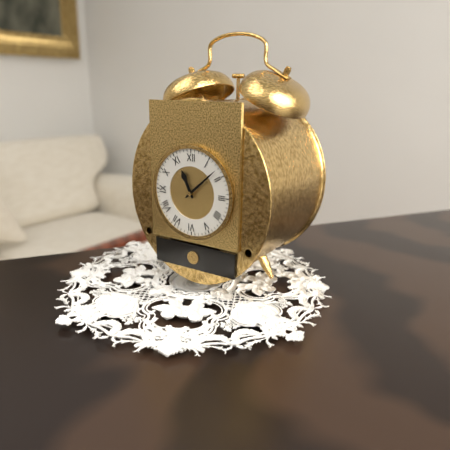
11:08
